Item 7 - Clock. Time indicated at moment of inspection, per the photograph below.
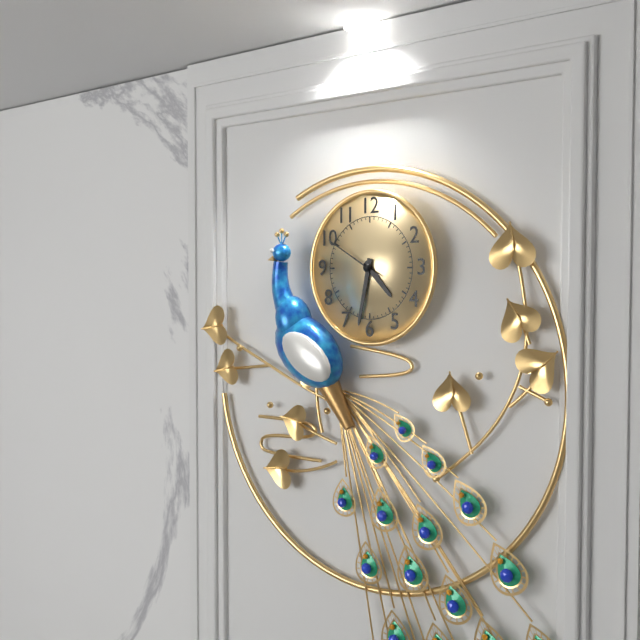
4:32:50
